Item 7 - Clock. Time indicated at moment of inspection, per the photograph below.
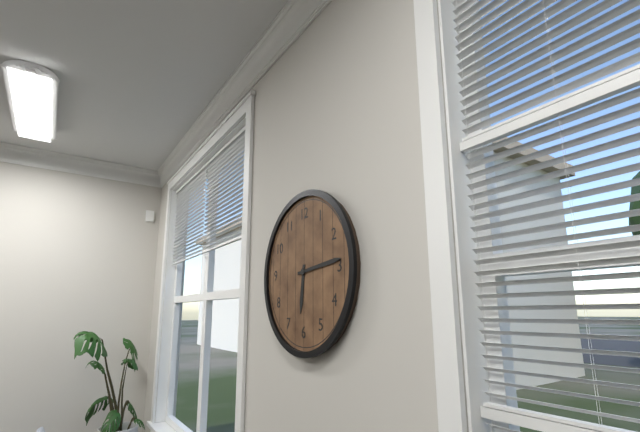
6:14
